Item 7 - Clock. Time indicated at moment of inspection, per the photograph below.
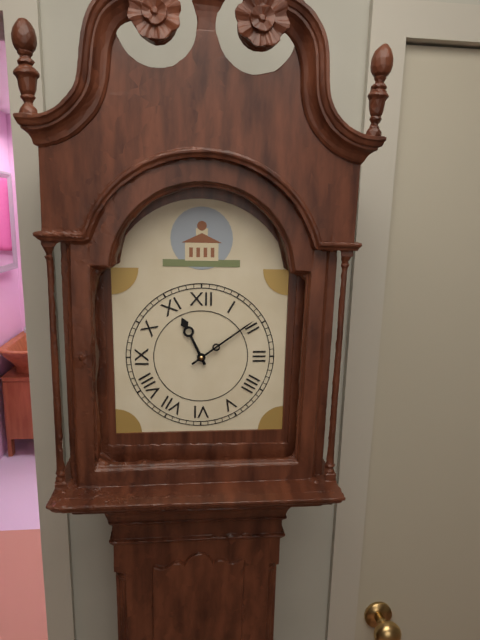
11:09
